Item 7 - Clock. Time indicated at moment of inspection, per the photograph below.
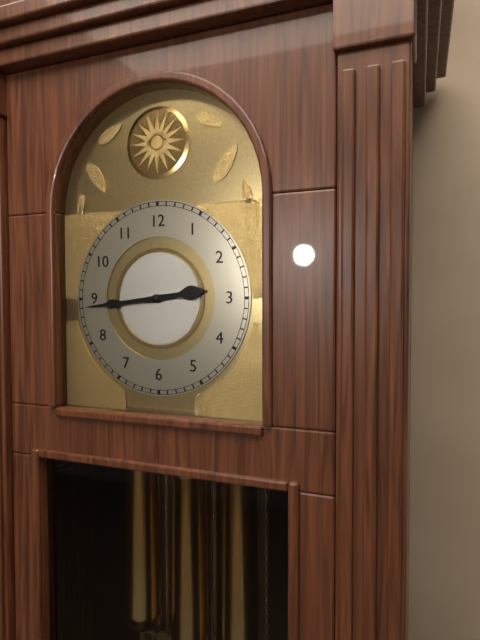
2:44
